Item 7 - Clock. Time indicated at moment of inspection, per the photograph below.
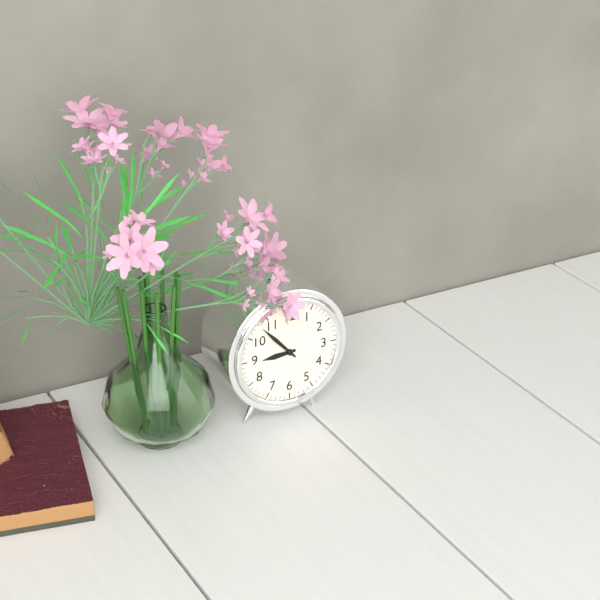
8:53
